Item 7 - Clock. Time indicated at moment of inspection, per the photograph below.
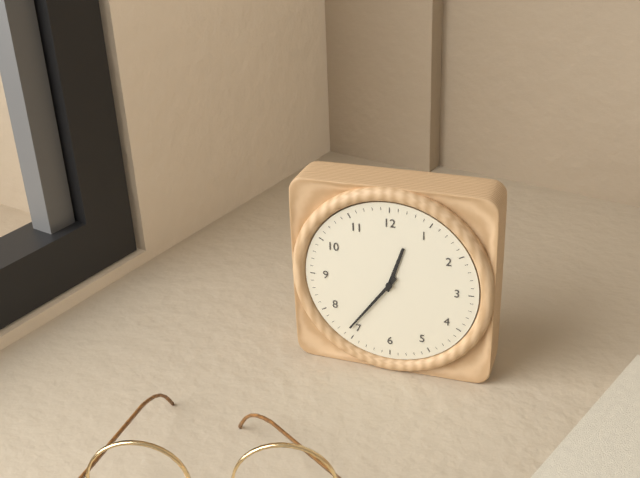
12:36
